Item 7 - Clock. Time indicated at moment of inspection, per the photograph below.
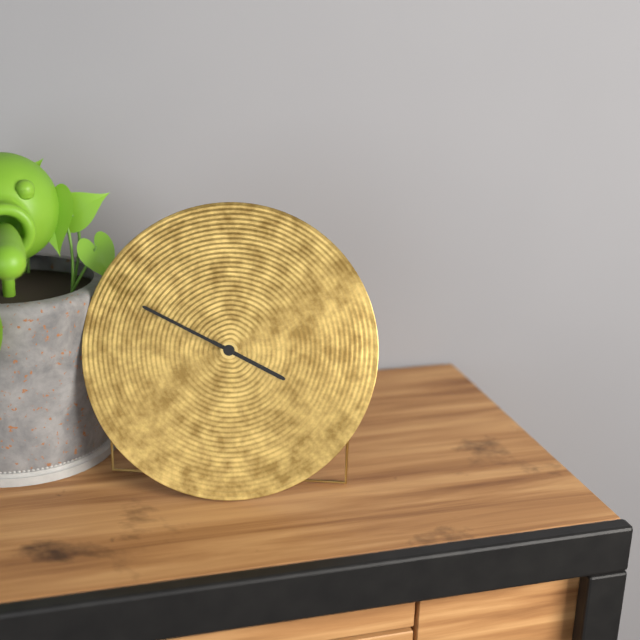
3:49
